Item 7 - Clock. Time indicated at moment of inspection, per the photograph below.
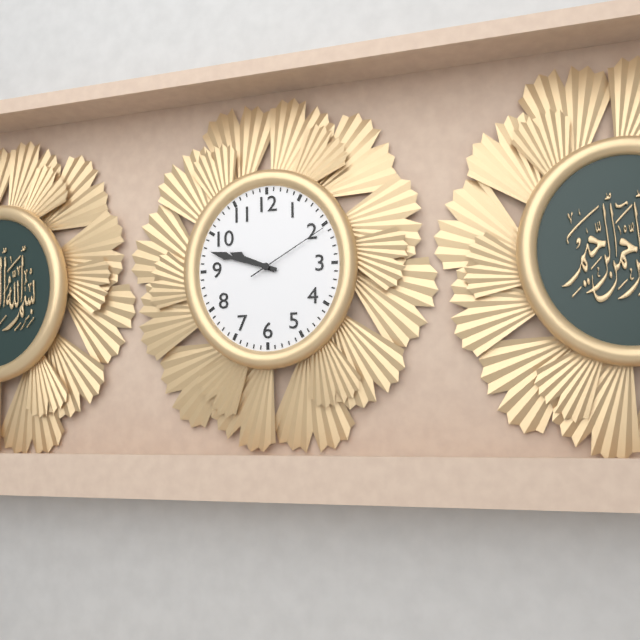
9:48:10
